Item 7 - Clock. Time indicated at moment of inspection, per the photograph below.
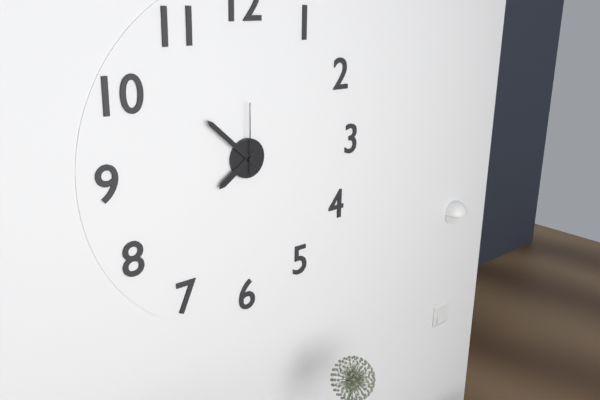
7:52:00
